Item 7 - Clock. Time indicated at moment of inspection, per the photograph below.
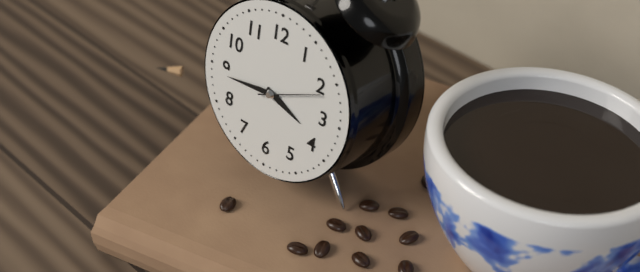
3:44:11
